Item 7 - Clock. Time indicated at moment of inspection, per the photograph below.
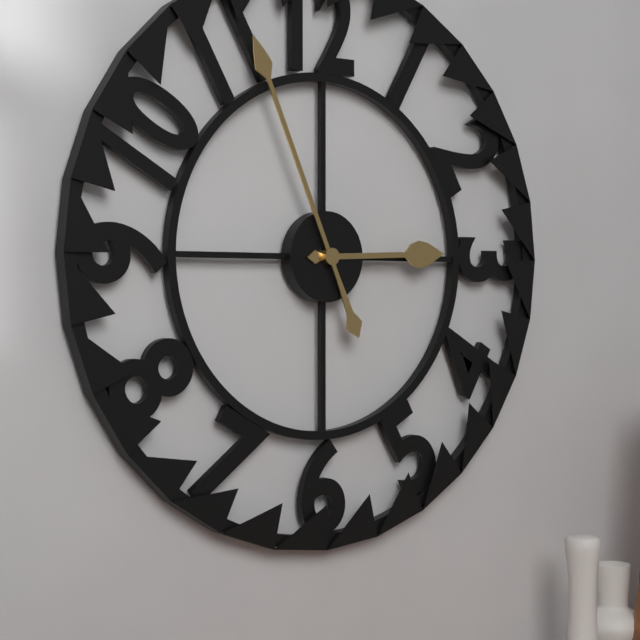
2:56
